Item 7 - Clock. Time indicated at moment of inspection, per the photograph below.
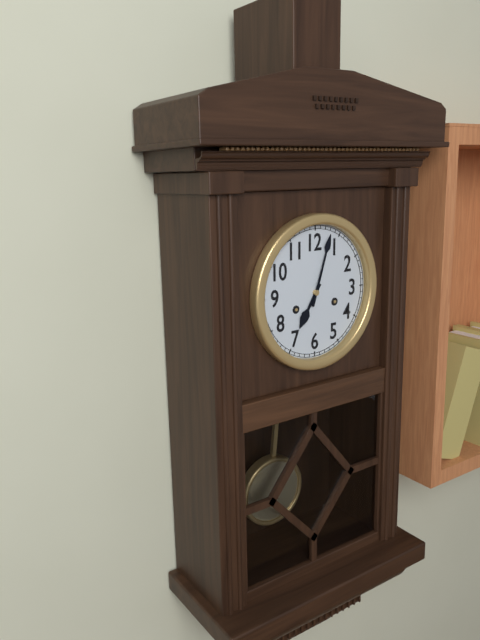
7:03
